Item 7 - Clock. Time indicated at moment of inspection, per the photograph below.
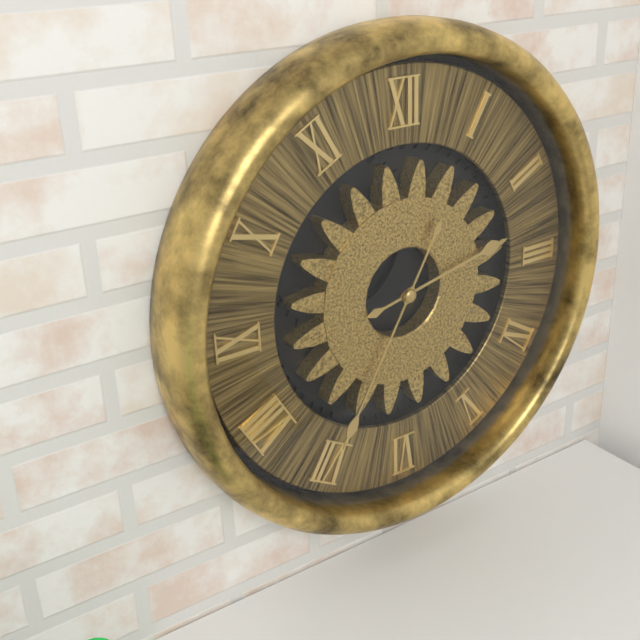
2:35
